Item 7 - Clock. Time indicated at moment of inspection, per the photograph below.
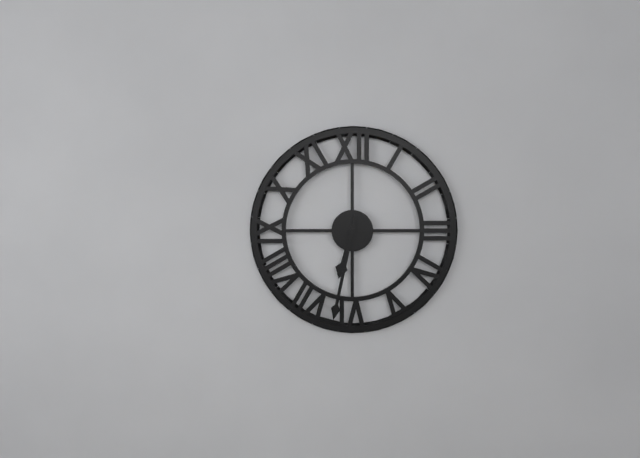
6:32
